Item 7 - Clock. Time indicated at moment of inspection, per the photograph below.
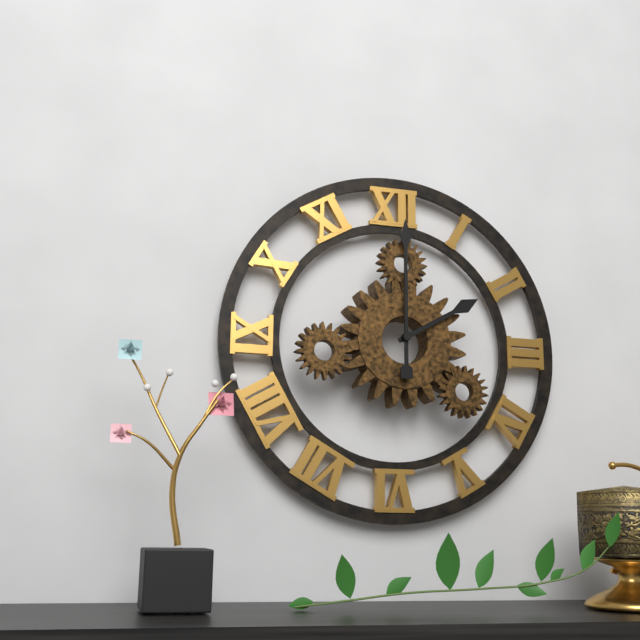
2:00
